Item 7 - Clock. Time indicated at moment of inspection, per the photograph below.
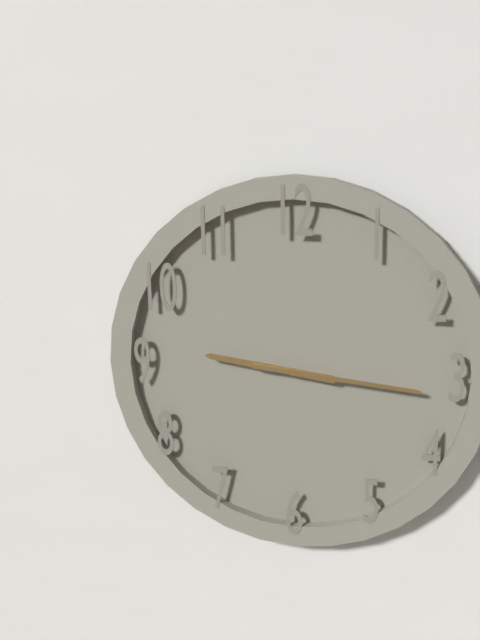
9:16
